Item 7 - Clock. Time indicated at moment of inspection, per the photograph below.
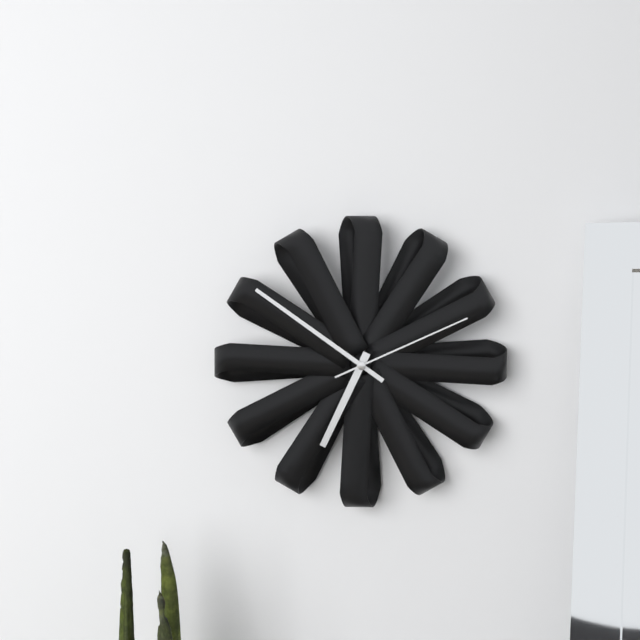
6:51:11
